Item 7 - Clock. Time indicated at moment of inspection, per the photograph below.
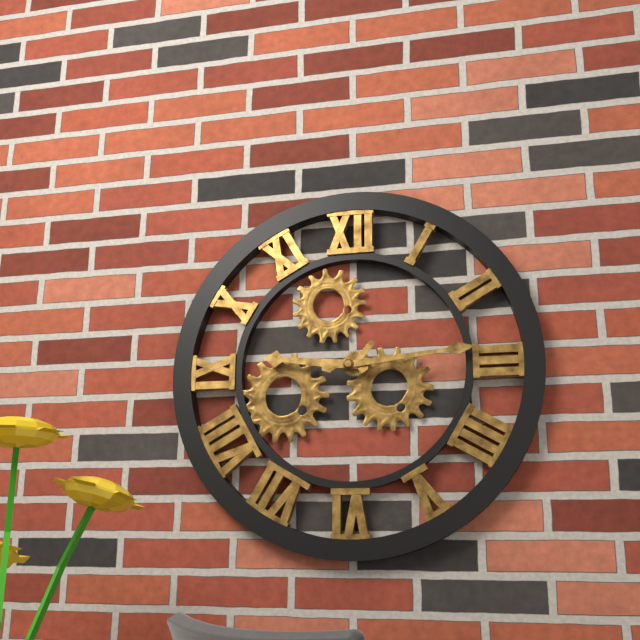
9:14
